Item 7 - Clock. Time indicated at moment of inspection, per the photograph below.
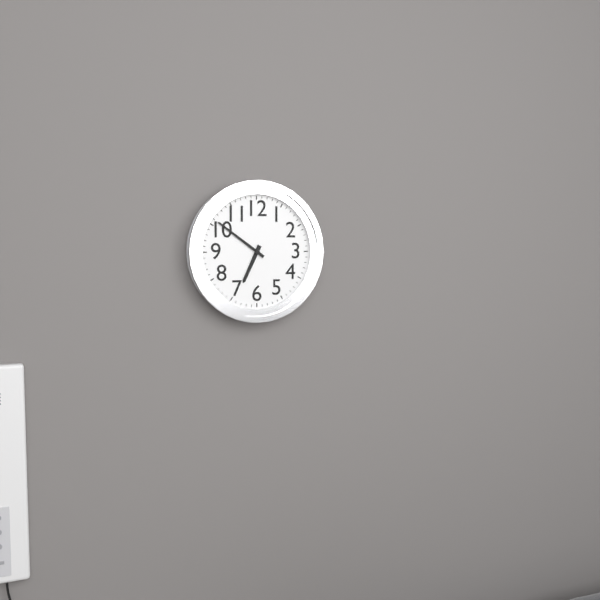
6:51
